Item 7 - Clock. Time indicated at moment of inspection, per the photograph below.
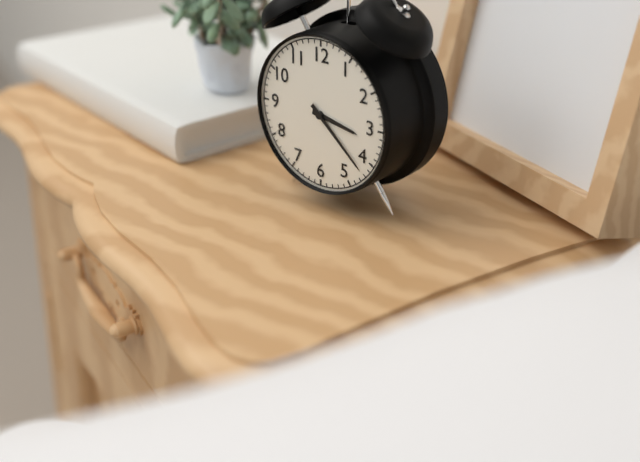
3:22
